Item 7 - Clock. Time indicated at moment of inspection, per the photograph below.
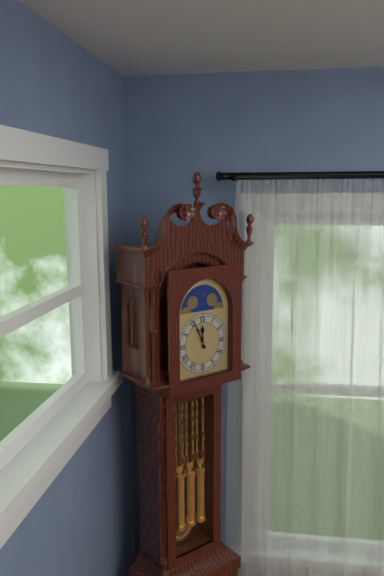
11:56
